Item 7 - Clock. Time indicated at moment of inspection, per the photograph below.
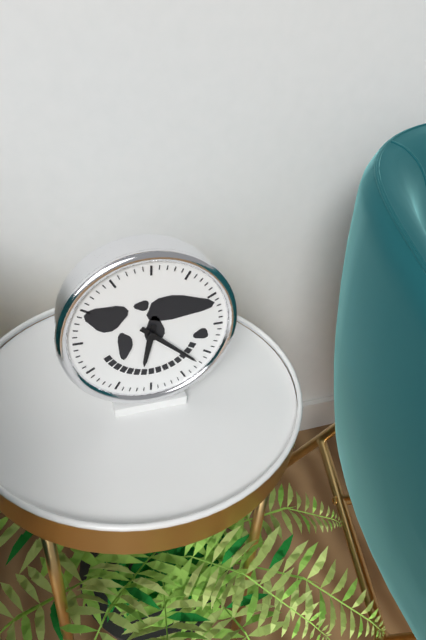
6:22
